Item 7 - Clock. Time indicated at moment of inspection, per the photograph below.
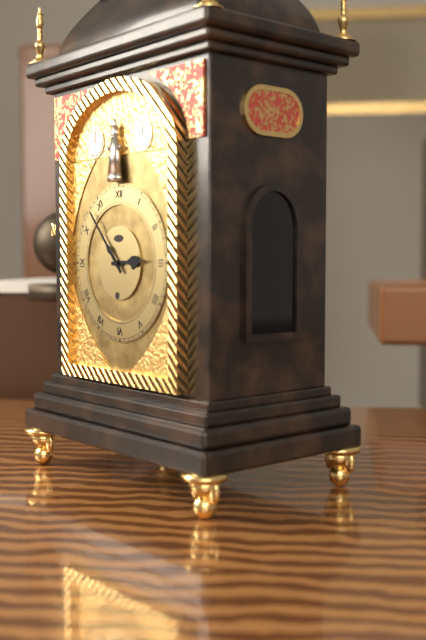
2:53
